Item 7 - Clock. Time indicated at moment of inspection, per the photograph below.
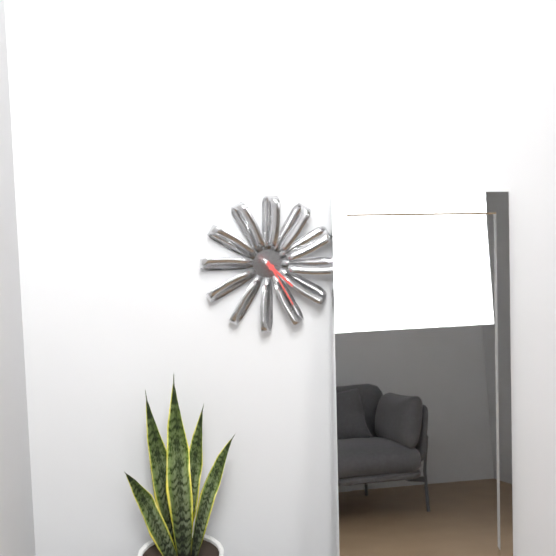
4:25
